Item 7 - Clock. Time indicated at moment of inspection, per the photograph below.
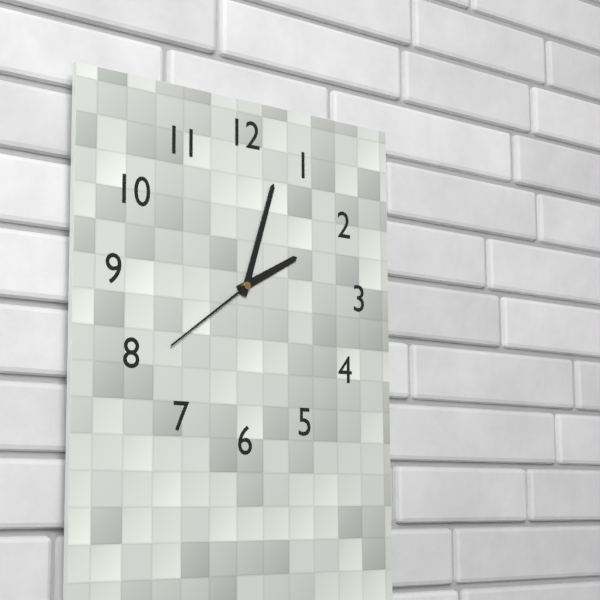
2:03:39
